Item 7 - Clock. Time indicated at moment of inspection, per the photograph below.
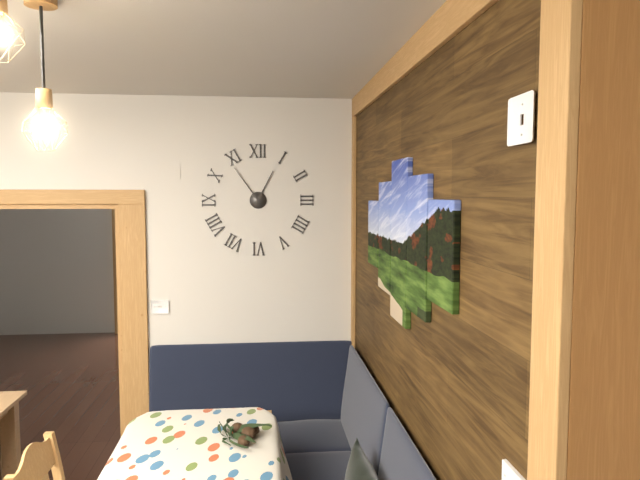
12:54
